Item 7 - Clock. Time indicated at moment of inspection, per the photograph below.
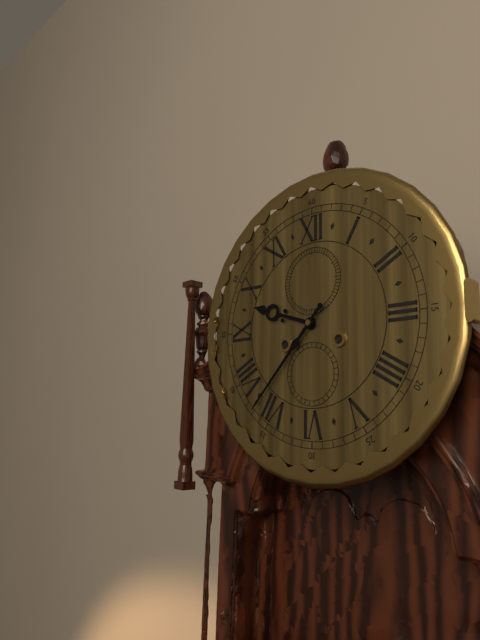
9:37
